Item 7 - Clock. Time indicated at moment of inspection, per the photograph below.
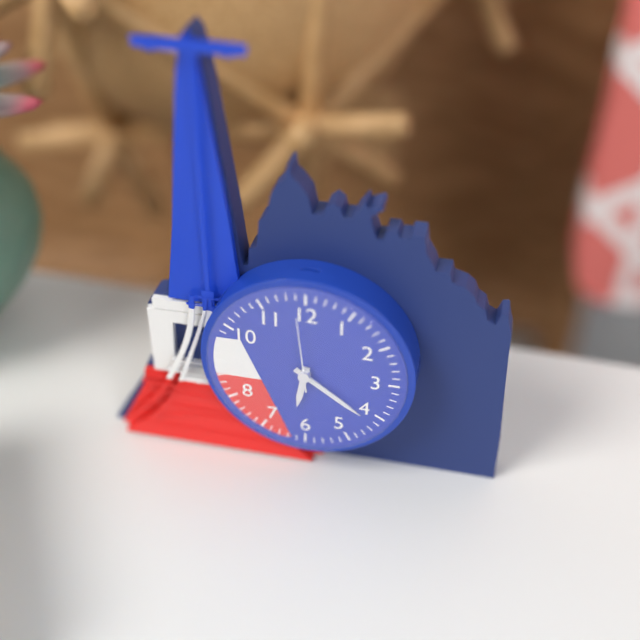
6:21:59
